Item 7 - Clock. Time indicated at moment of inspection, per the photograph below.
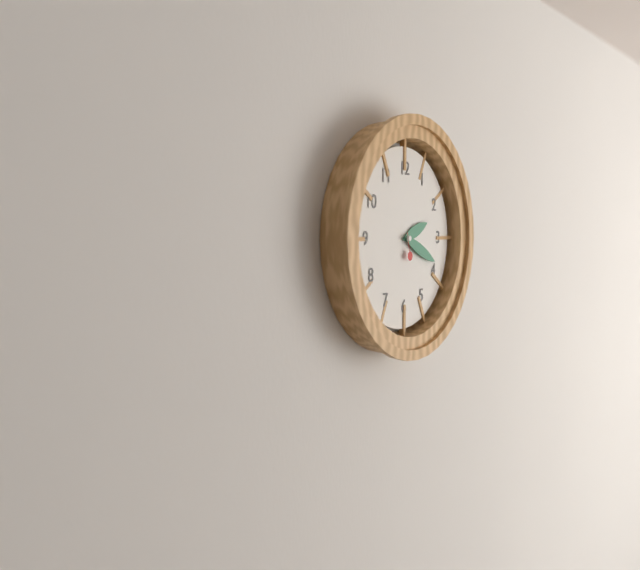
2:19
